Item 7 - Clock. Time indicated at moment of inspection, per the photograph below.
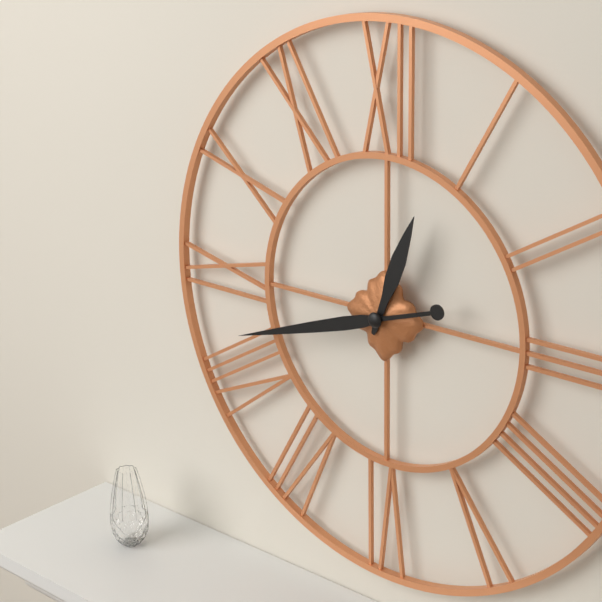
12:42
